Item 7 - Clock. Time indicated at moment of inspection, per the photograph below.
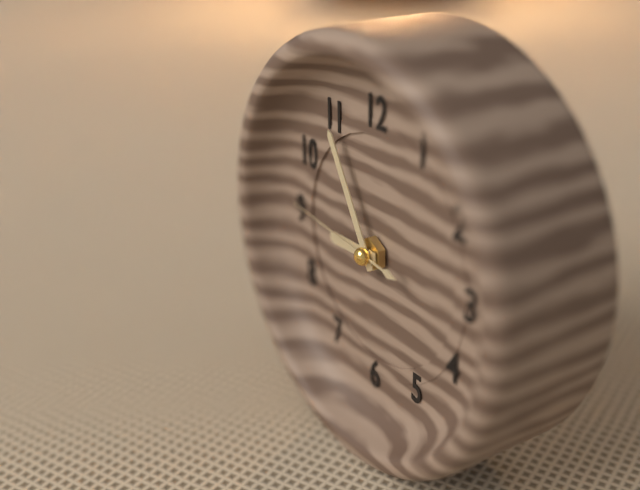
8:55:46
